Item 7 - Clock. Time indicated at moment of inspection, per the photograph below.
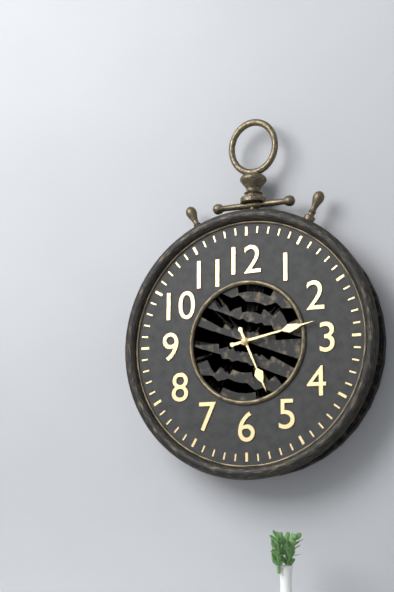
5:13
